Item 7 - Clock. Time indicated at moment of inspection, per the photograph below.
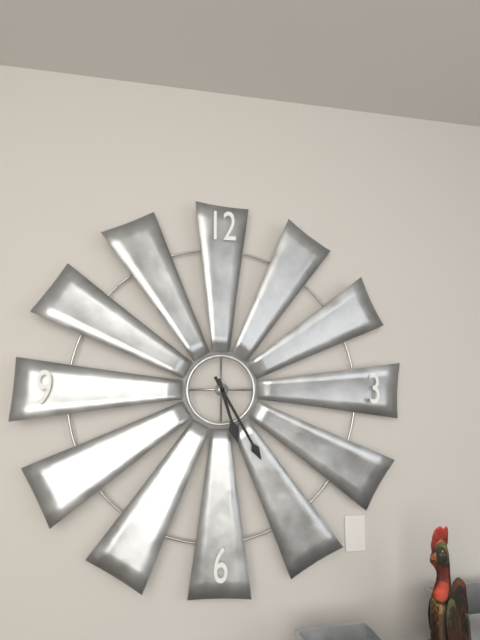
5:25
